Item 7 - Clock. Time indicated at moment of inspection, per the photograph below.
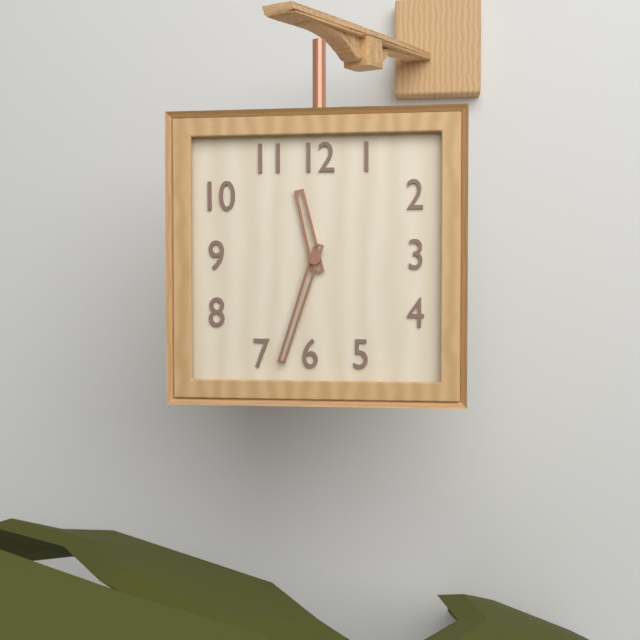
11:33
